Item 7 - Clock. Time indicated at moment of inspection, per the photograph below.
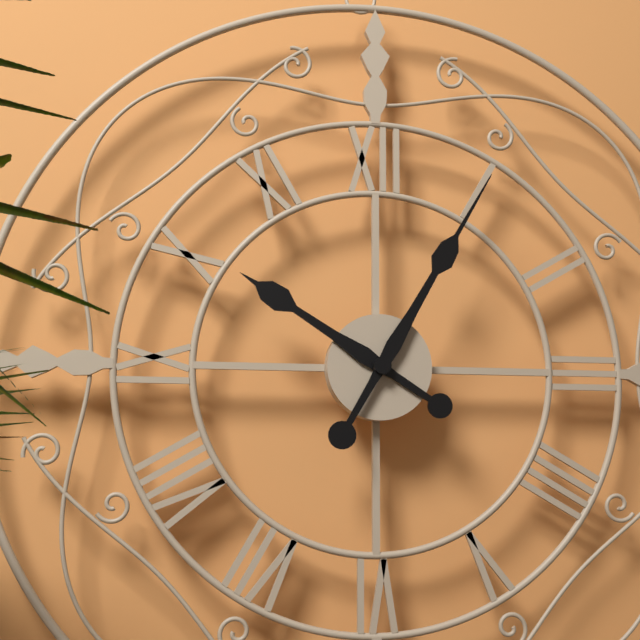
10:05
